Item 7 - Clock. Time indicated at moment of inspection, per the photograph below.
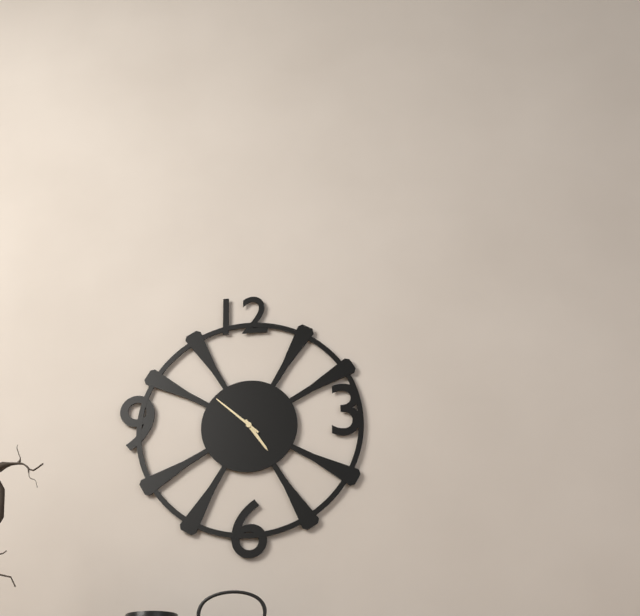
4:52
